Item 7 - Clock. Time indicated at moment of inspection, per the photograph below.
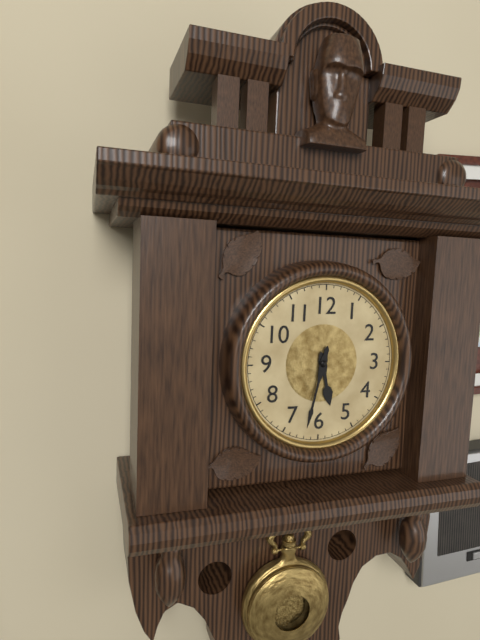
5:32
